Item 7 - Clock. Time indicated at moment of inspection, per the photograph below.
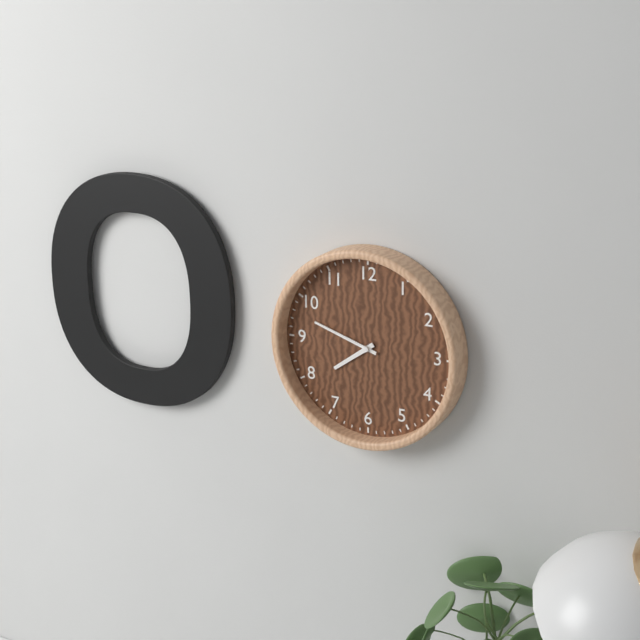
7:48
